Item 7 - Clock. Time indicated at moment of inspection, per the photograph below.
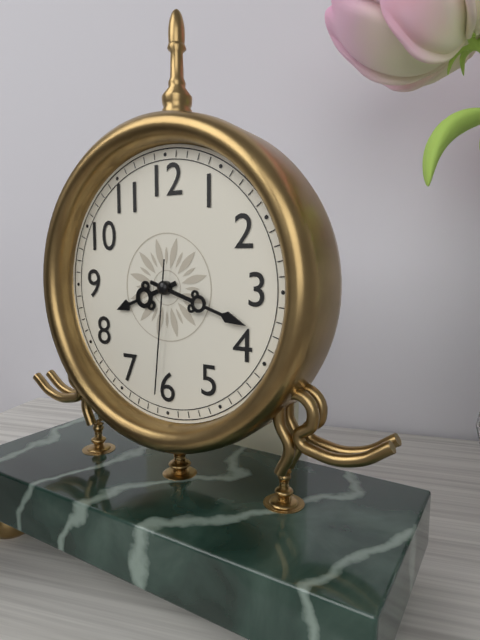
8:18:31
